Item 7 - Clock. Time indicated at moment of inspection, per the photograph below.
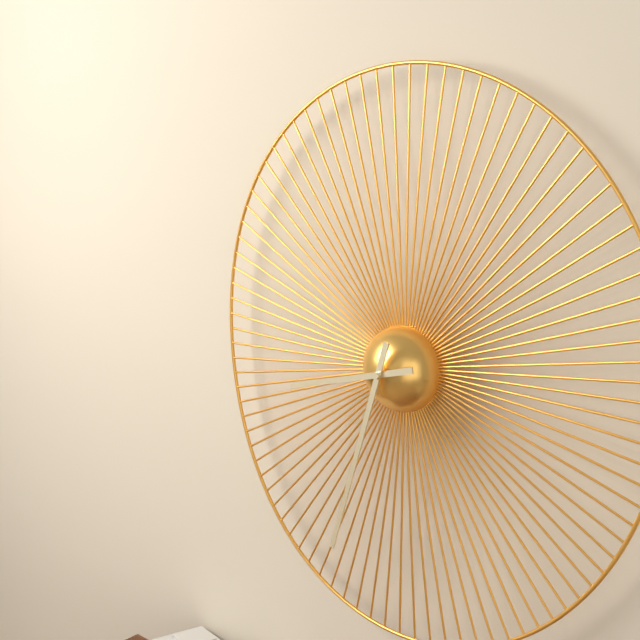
8:33
